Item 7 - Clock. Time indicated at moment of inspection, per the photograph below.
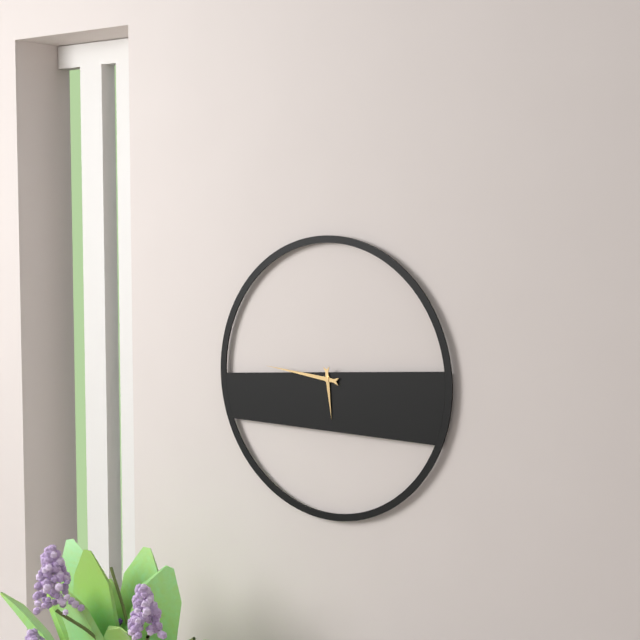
5:46
